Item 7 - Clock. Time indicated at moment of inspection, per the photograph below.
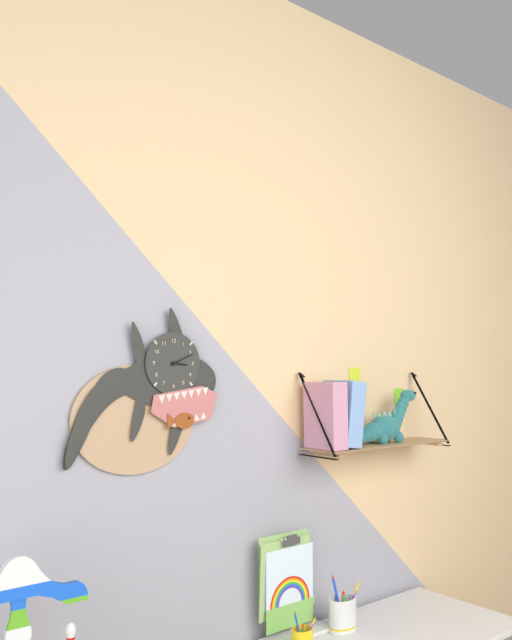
3:11
